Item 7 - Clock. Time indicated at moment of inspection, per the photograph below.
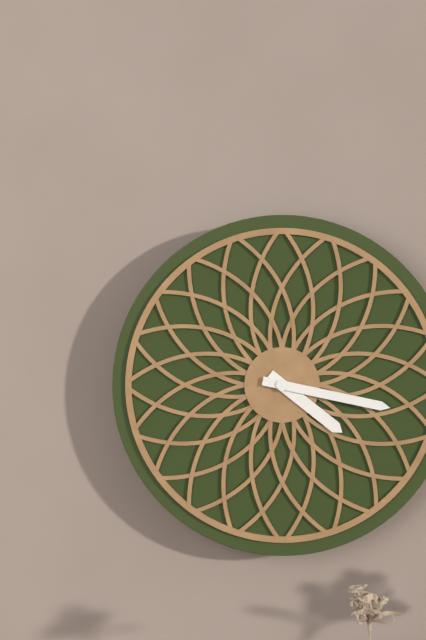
4:17
